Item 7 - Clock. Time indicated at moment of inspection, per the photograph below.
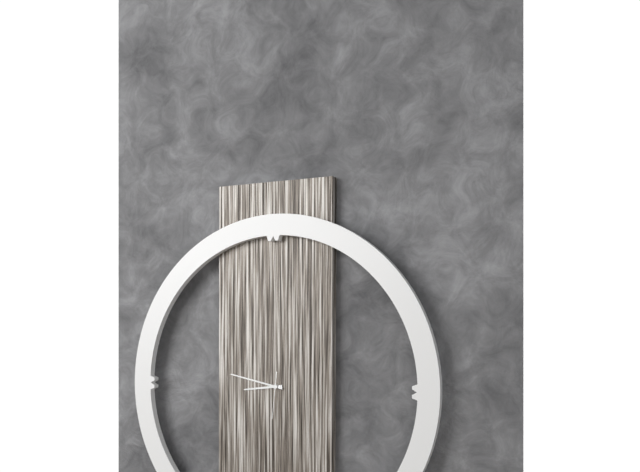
8:47
